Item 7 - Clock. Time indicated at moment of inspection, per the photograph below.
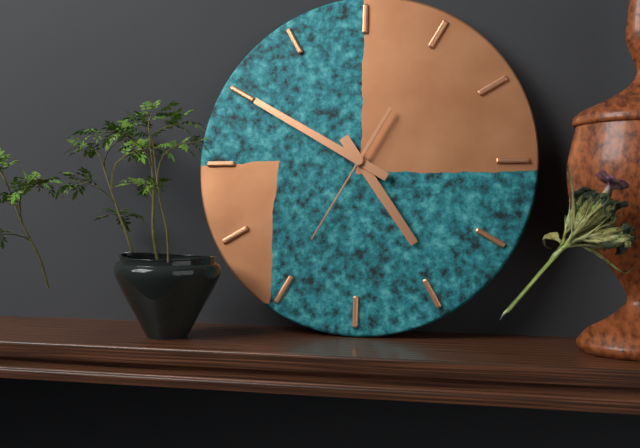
4:50:35
